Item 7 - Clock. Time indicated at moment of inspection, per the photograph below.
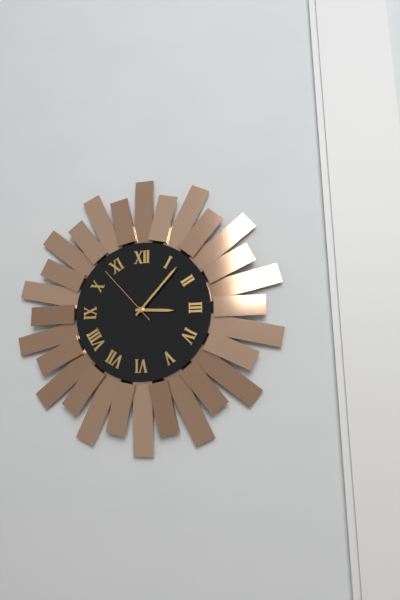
3:07:53
